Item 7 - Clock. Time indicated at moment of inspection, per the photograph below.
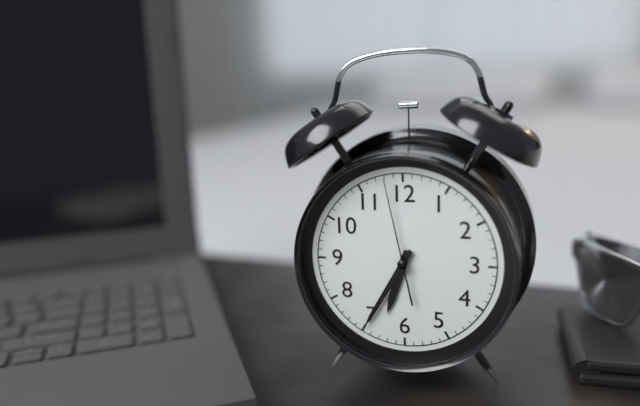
6:35:58
